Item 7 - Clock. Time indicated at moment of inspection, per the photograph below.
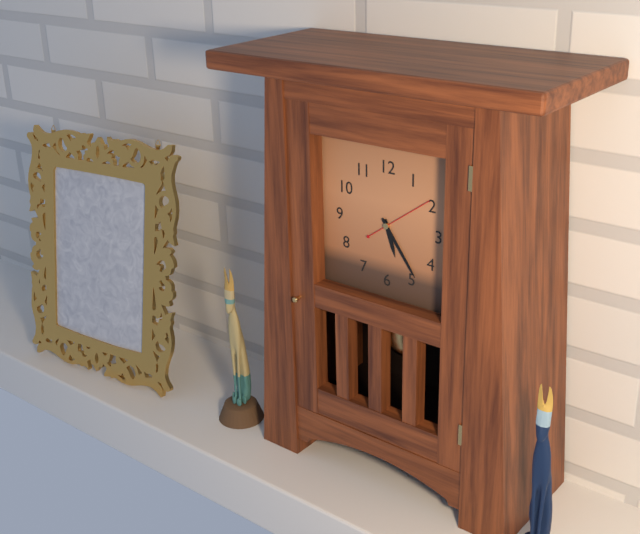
5:24:09
